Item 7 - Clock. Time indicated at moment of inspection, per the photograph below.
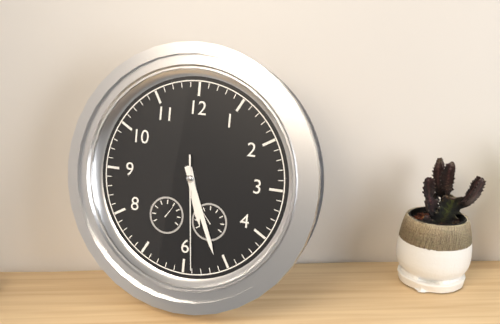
5:26:29
